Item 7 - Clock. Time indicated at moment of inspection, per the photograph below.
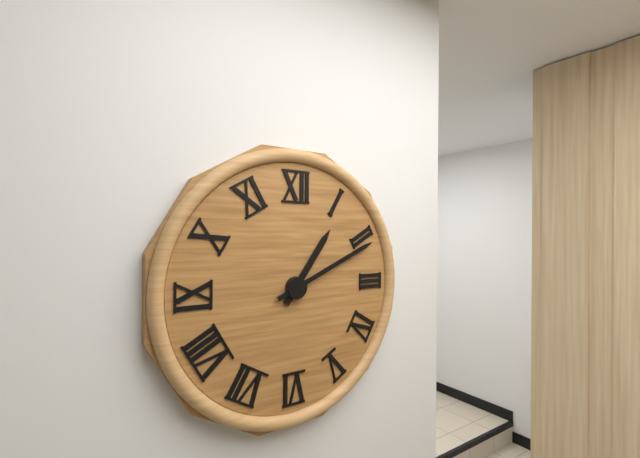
1:11
